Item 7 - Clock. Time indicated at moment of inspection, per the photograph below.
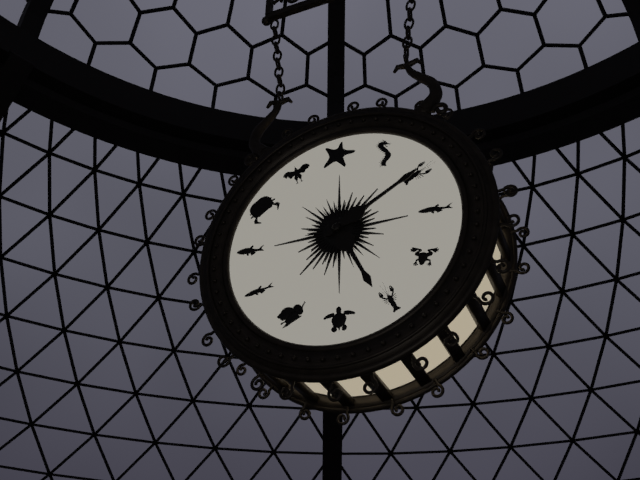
5:10
